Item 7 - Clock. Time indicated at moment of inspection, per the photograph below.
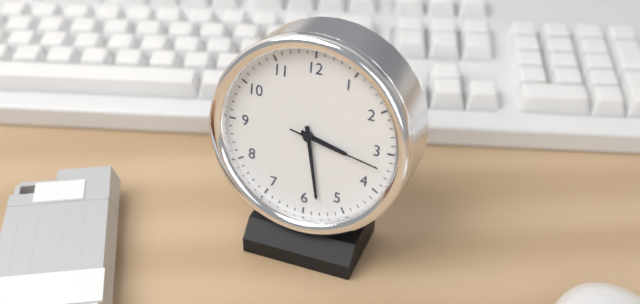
3:28:17
